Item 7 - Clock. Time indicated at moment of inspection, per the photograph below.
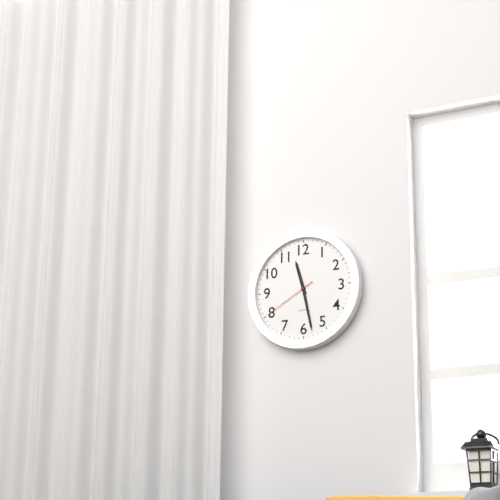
11:28:40
